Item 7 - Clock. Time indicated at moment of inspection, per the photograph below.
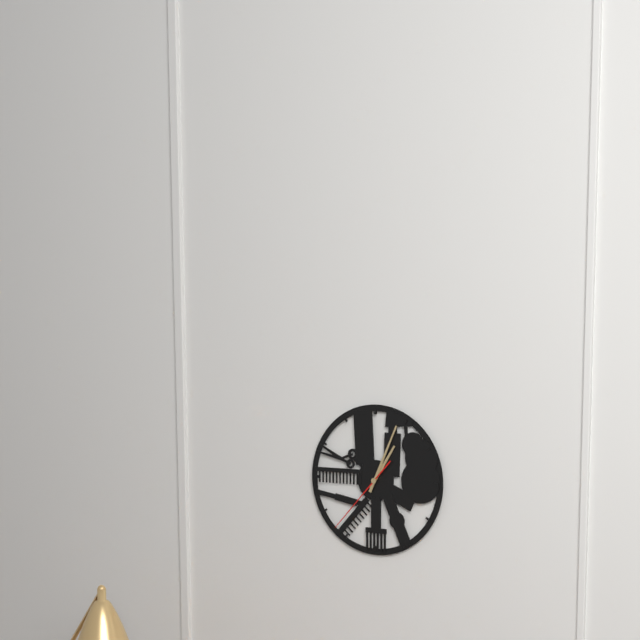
1:04:37
